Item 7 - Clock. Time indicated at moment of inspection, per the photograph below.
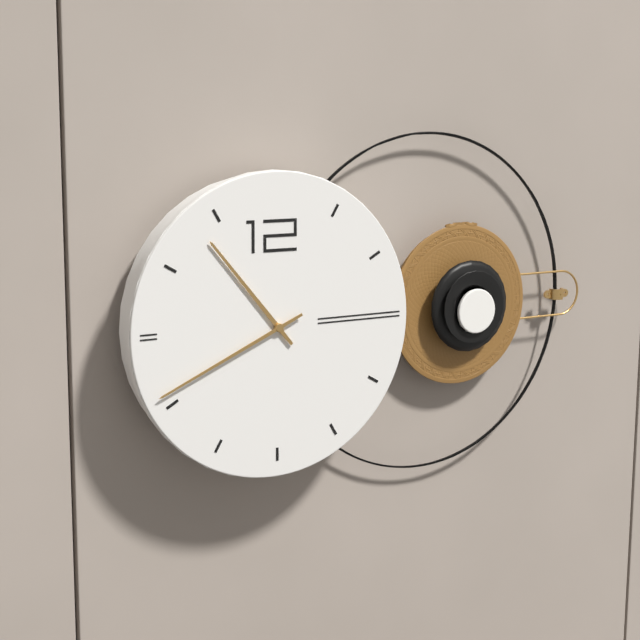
10:41
